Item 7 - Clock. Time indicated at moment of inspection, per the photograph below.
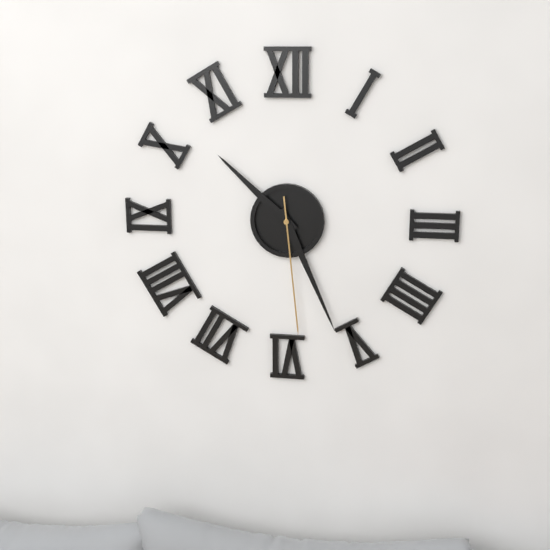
10:26:29
